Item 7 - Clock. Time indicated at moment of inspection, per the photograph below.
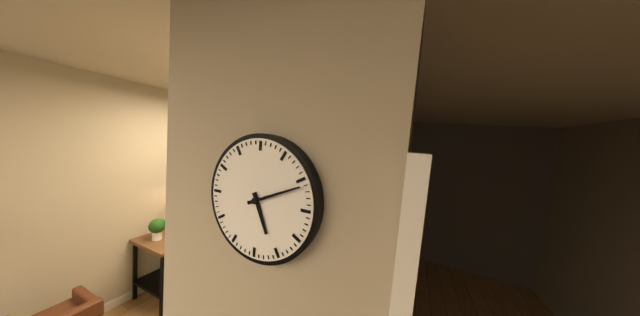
5:11
